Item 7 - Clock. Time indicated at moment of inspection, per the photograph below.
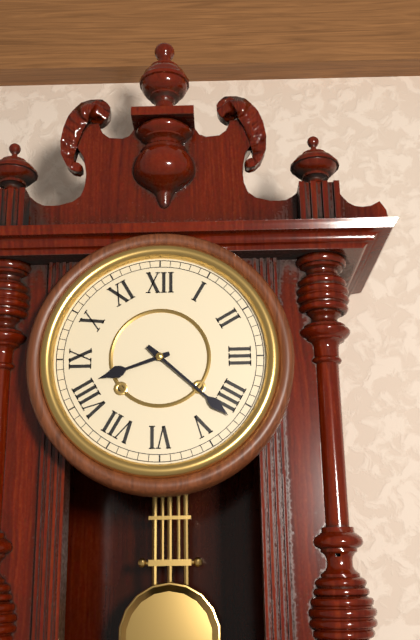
8:22
